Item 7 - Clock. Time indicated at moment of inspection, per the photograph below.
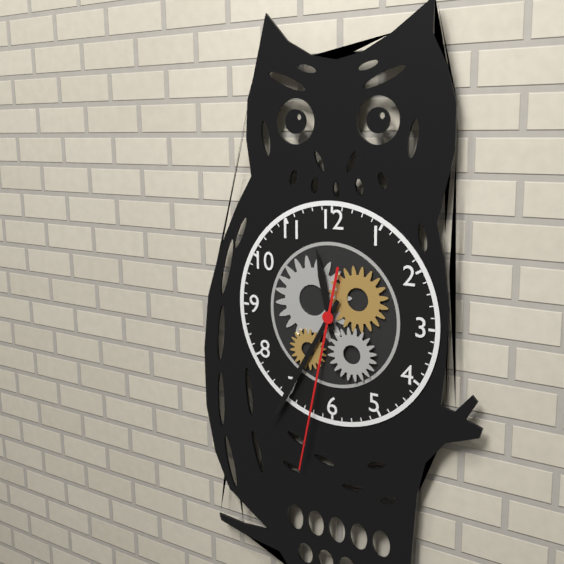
11:35:32
